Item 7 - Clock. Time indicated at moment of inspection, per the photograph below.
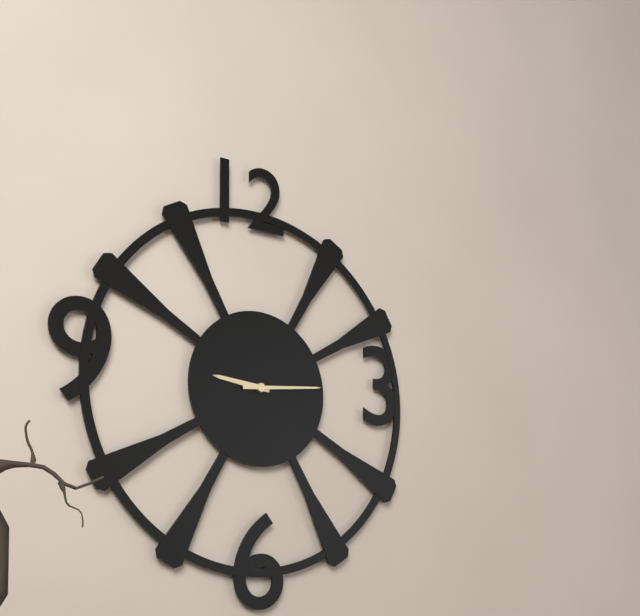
9:14
